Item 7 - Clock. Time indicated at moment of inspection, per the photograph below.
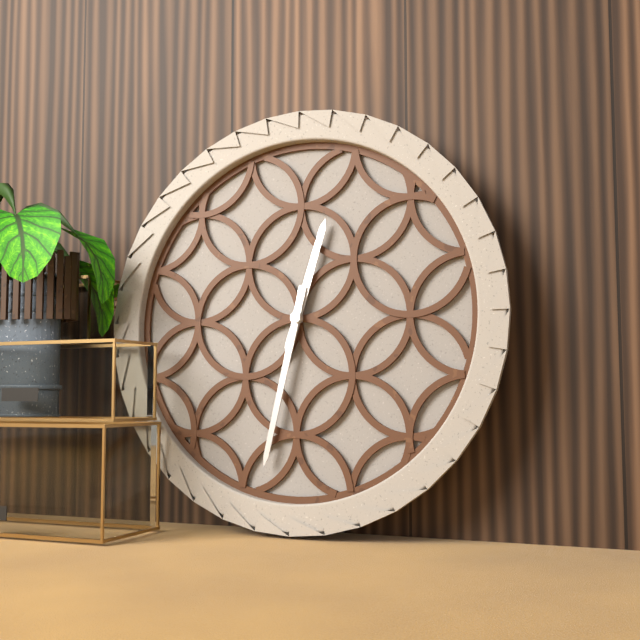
12:32
